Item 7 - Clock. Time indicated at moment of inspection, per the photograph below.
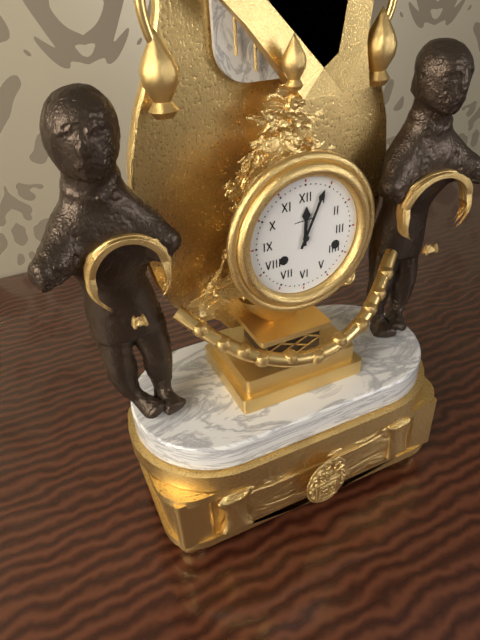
12:04
